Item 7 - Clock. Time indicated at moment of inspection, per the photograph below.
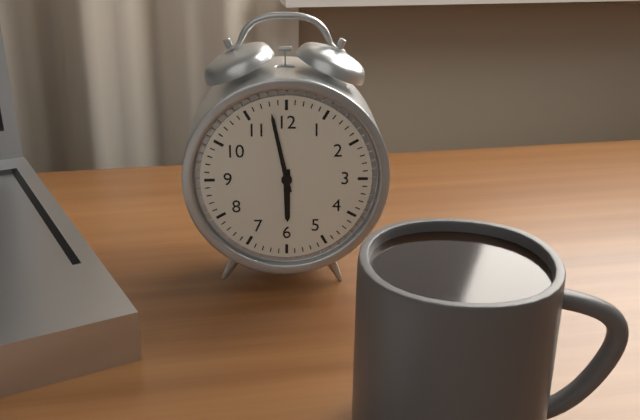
5:58
